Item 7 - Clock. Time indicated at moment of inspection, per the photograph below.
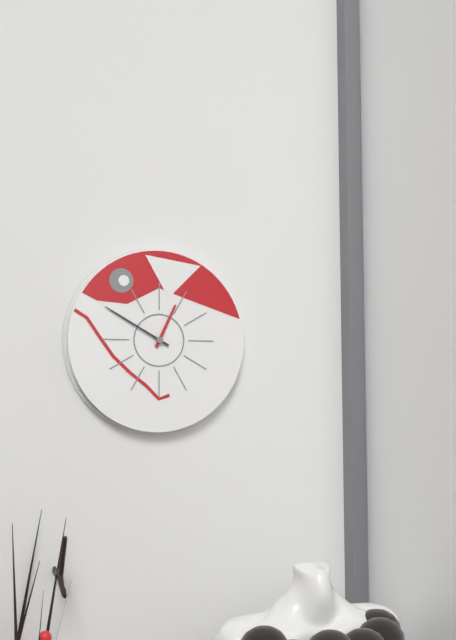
12:50
